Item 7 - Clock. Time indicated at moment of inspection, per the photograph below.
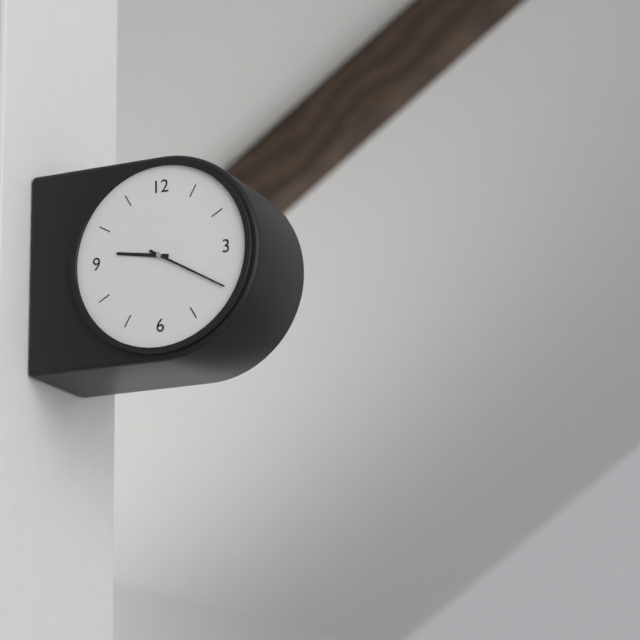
9:20
